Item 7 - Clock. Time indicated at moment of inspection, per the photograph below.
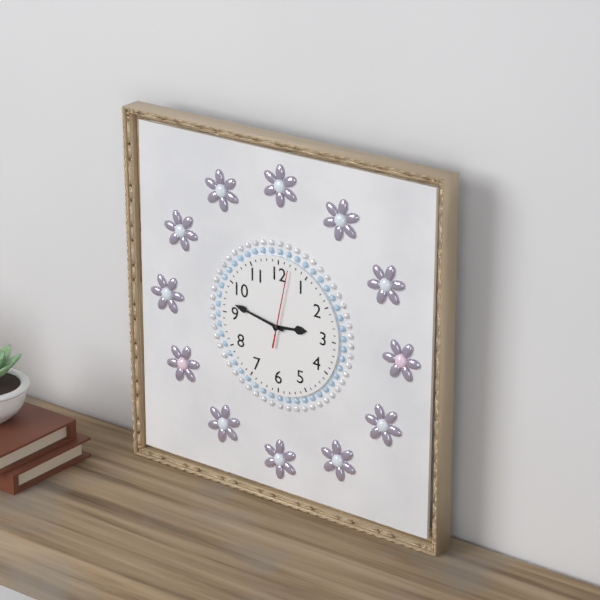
2:47:02
